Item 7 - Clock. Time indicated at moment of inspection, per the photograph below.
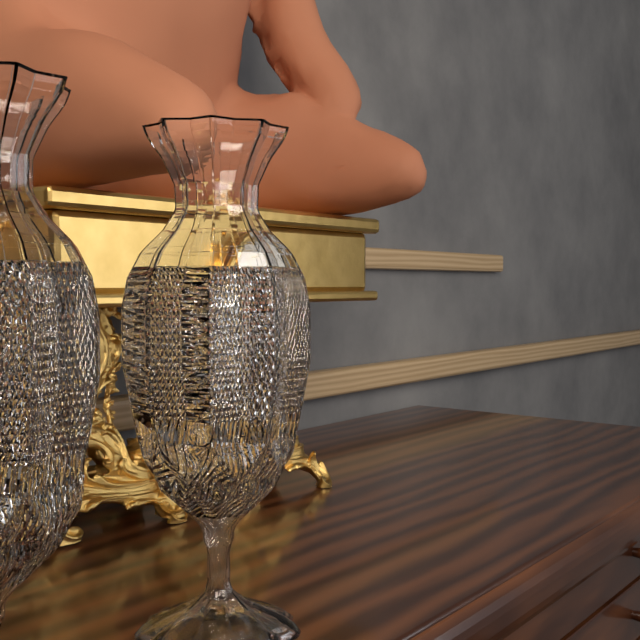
5:58
